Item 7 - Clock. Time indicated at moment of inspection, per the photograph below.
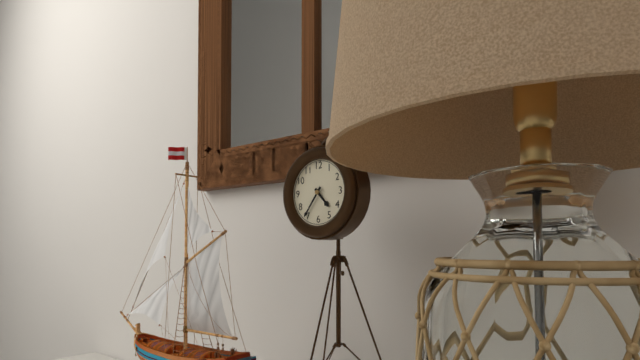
4:36
